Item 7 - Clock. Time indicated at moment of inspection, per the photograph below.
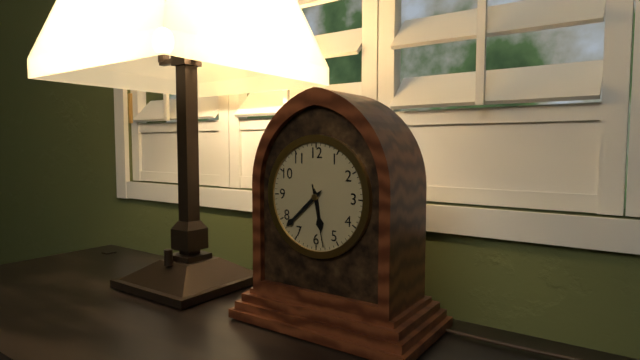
5:38:28
